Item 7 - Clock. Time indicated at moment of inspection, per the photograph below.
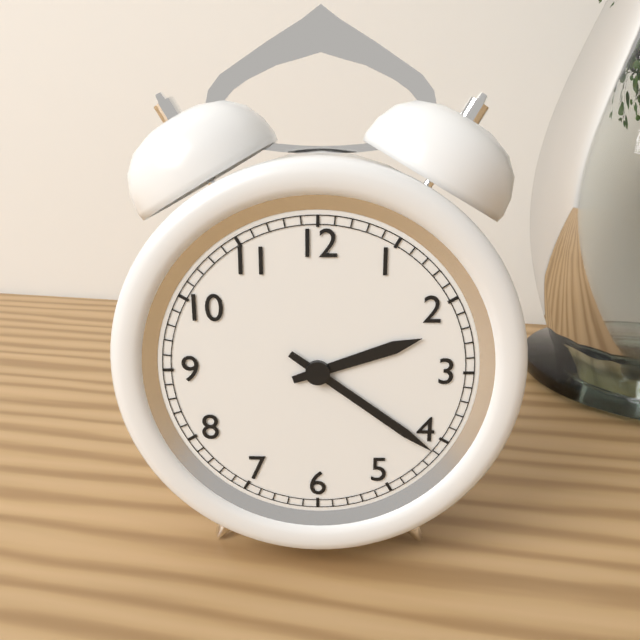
2:21
